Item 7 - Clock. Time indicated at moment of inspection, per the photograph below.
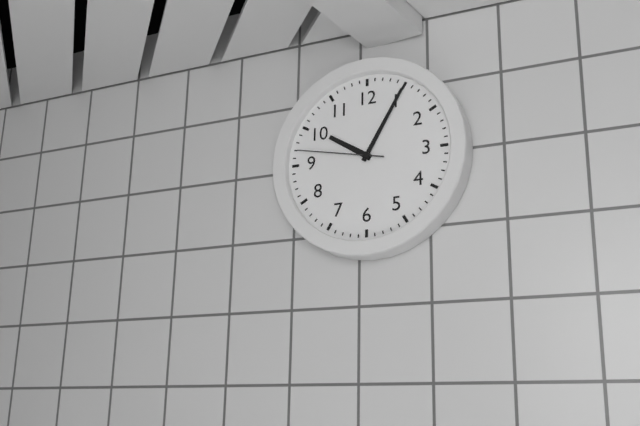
10:05:47
